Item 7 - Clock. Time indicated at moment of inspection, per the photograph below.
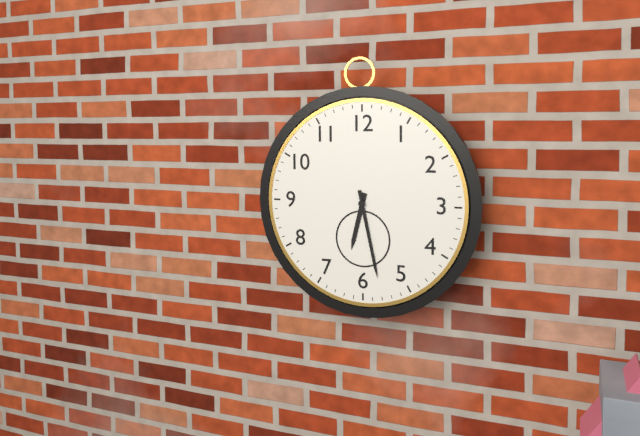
6:28
